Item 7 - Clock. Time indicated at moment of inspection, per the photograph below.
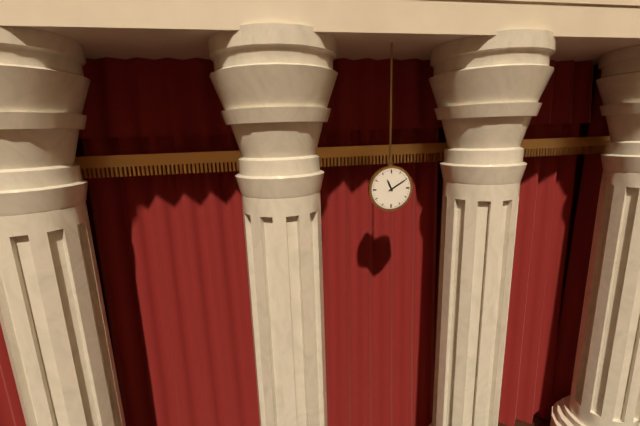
11:10
